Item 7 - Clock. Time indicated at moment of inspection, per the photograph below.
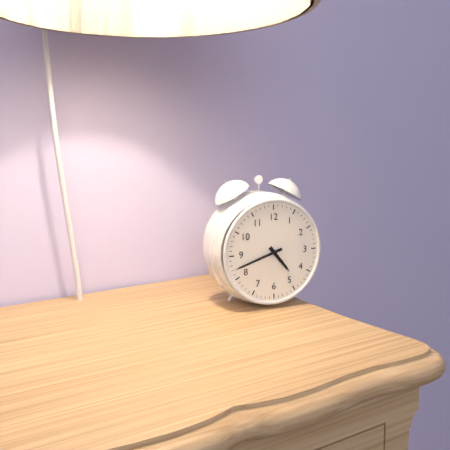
4:42
